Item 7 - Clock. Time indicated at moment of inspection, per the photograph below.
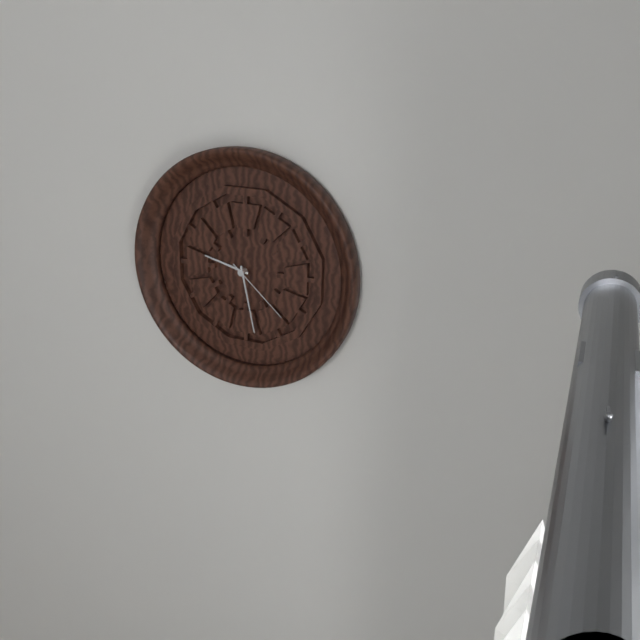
9:28:22
